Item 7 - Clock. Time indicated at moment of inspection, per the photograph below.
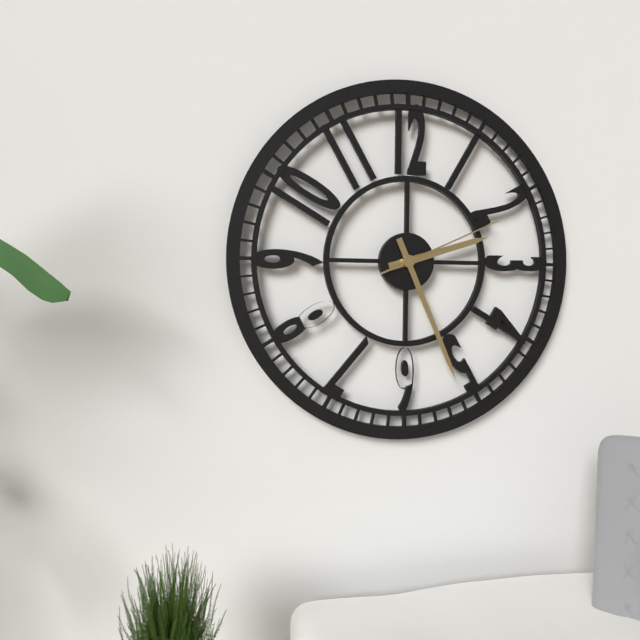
2:26:11
